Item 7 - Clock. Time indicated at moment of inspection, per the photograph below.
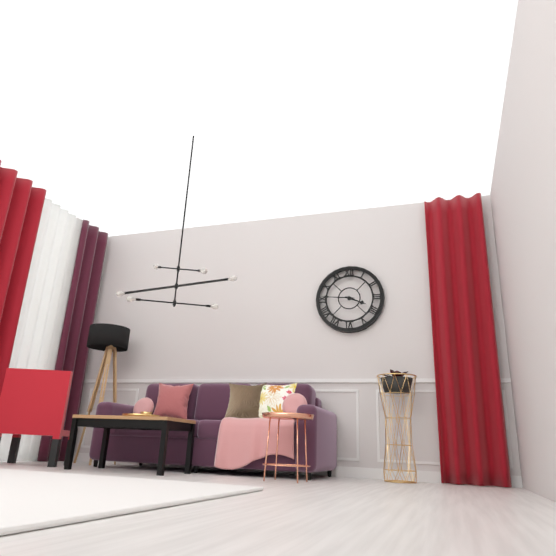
3:46
